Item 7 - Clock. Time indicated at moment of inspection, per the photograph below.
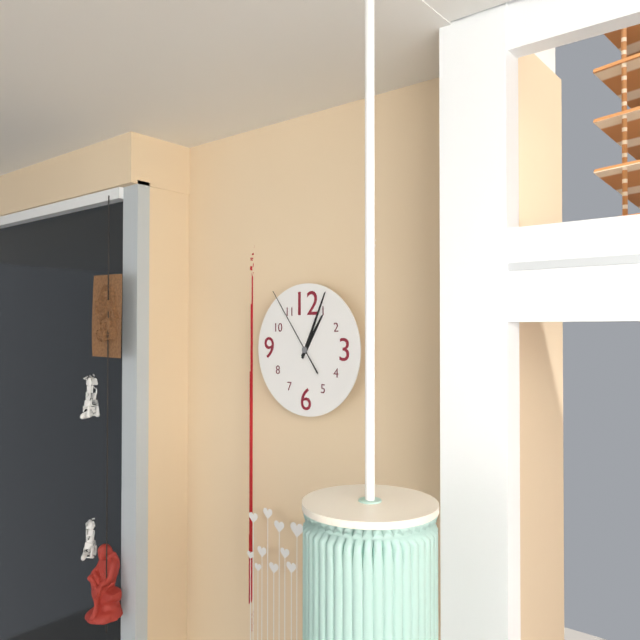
1:04:54
